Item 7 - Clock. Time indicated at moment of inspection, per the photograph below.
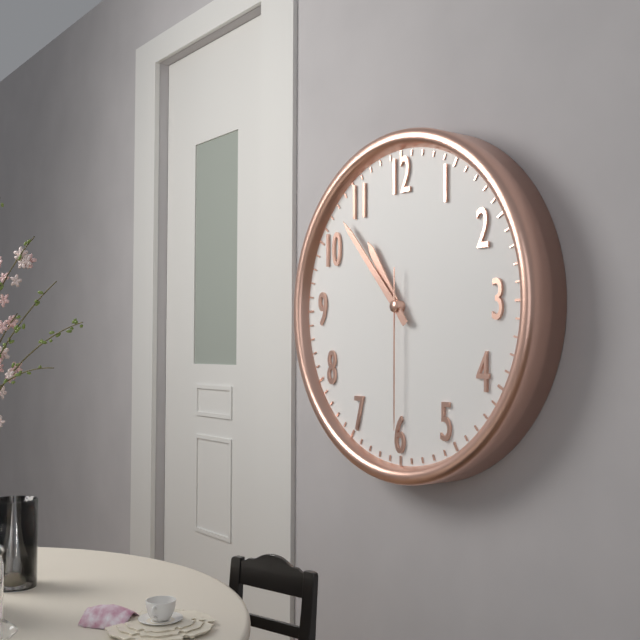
10:53:30
